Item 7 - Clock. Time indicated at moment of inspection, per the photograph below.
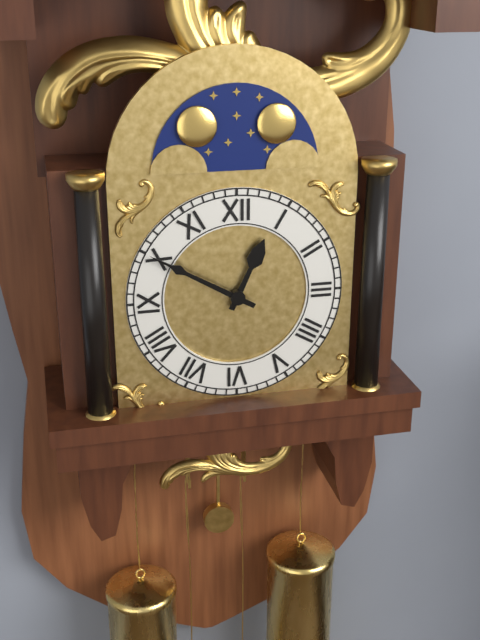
12:50
